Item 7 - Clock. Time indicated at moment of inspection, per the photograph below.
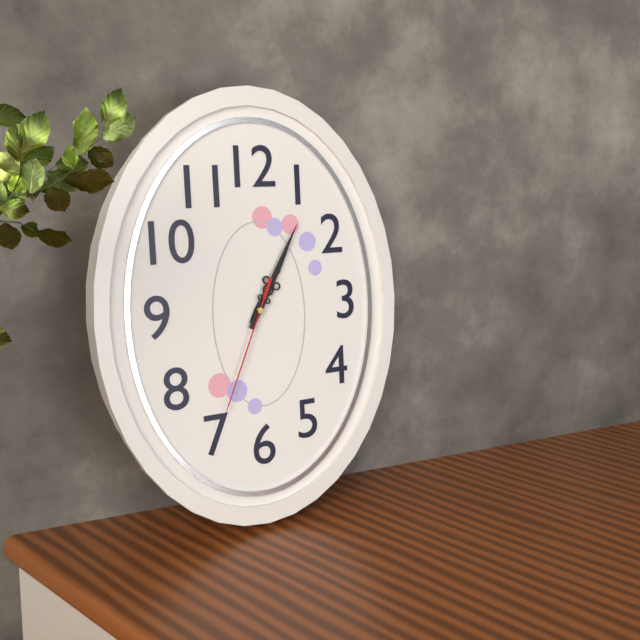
1:05:34
